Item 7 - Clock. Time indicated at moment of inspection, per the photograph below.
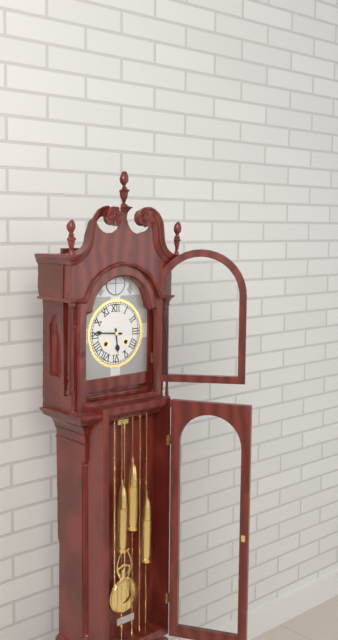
5:46
